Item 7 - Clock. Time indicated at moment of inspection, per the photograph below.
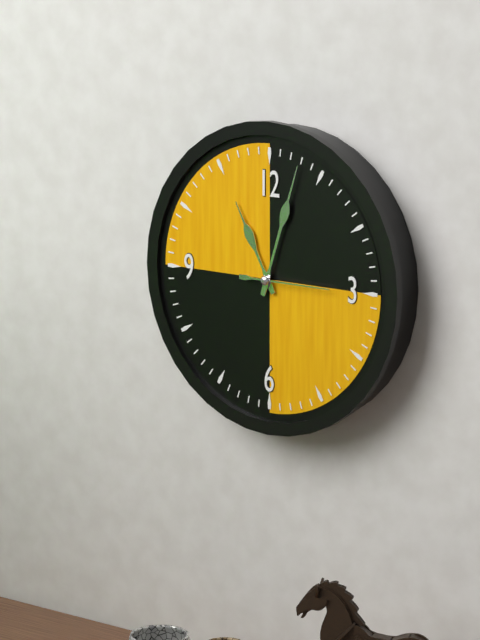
11:03:15
